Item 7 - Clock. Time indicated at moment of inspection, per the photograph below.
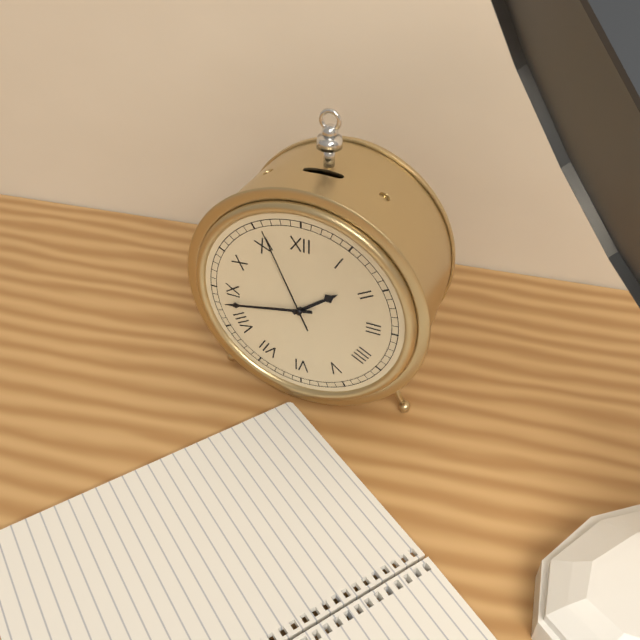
1:43:56
